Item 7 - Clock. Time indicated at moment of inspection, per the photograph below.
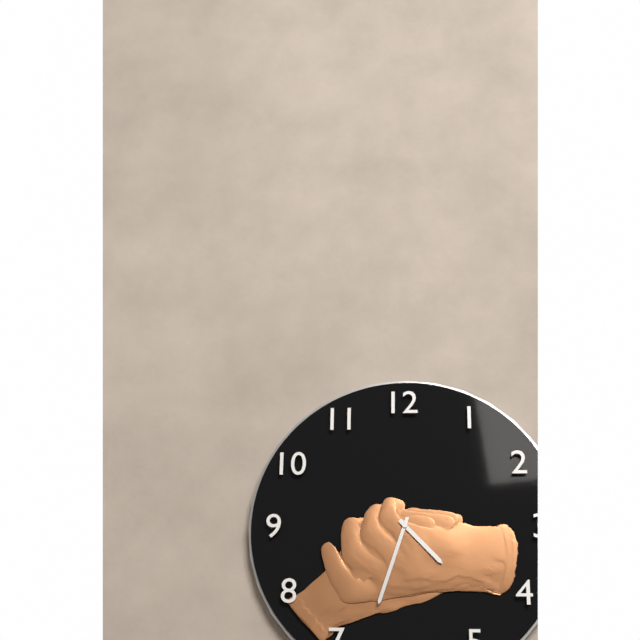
4:33
